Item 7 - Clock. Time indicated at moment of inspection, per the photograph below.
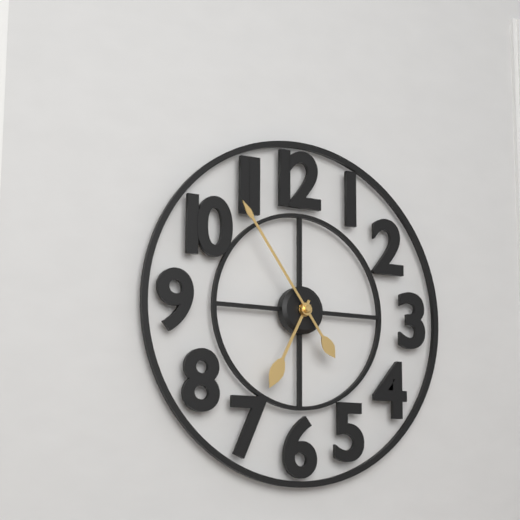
6:54
